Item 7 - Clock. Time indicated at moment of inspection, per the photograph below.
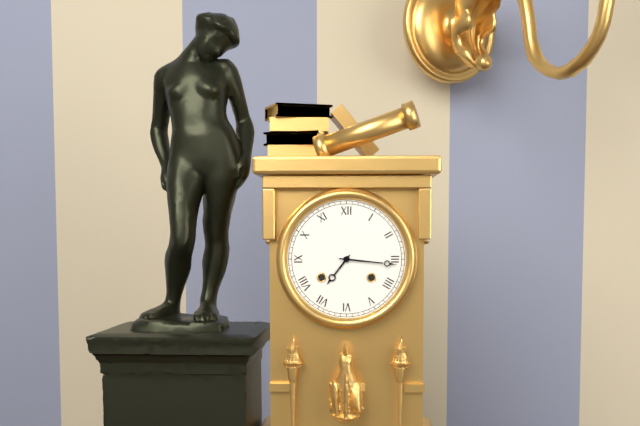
7:16
